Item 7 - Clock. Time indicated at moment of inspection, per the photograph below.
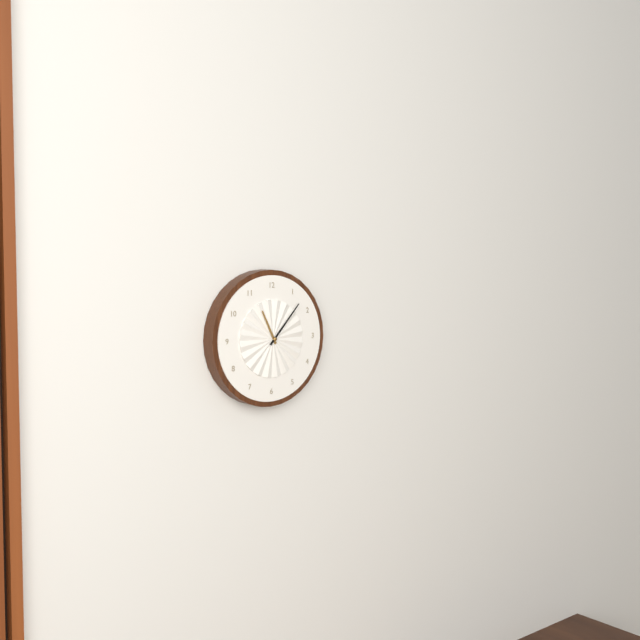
11:07
